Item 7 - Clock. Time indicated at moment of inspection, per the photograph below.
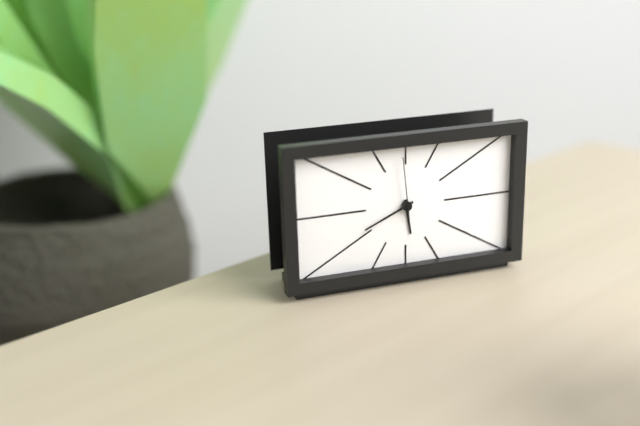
5:41:59
